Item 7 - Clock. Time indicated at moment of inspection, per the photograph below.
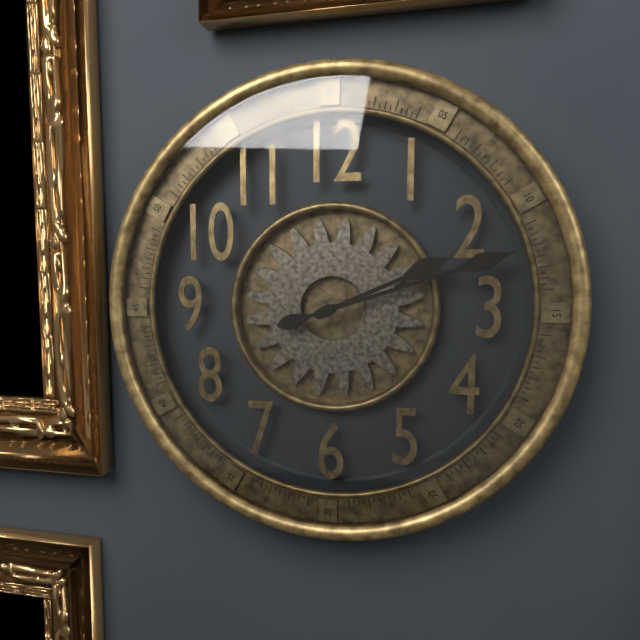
2:12
